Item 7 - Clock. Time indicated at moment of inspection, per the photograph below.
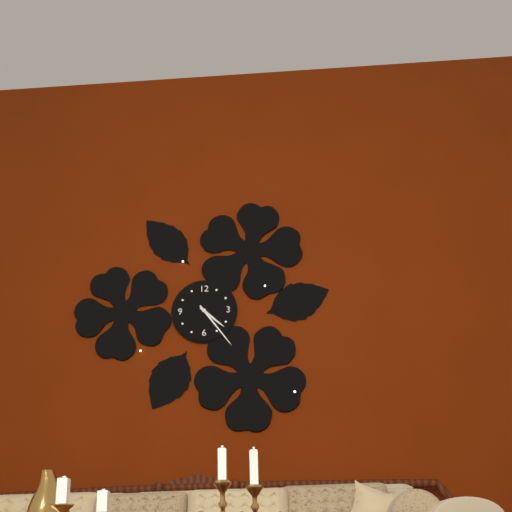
4:24
